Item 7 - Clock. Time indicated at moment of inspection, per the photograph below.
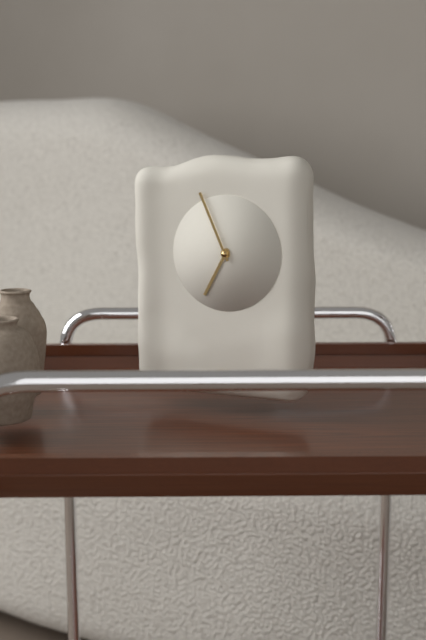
6:56
